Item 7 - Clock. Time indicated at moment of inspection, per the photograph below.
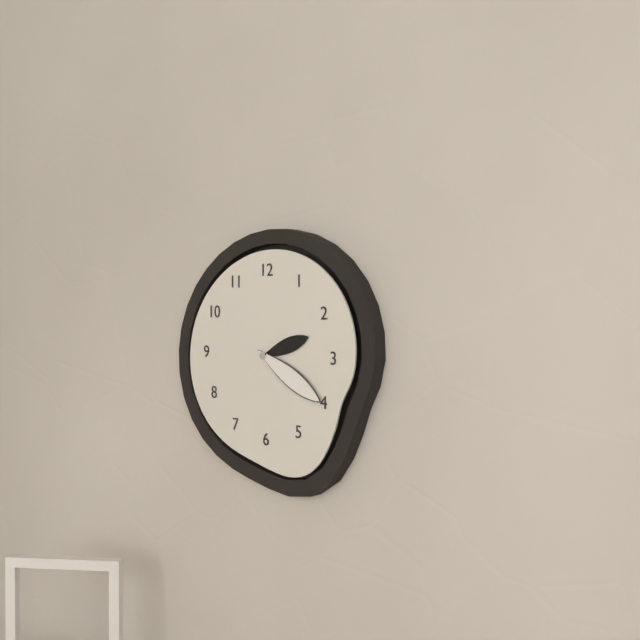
2:20
